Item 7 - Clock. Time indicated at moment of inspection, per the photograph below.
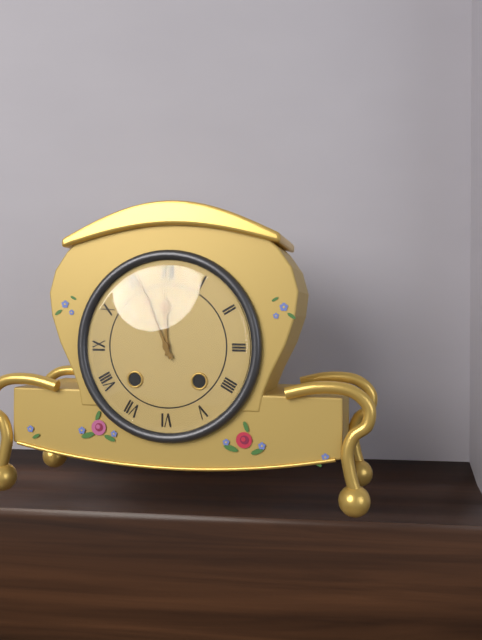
11:56
